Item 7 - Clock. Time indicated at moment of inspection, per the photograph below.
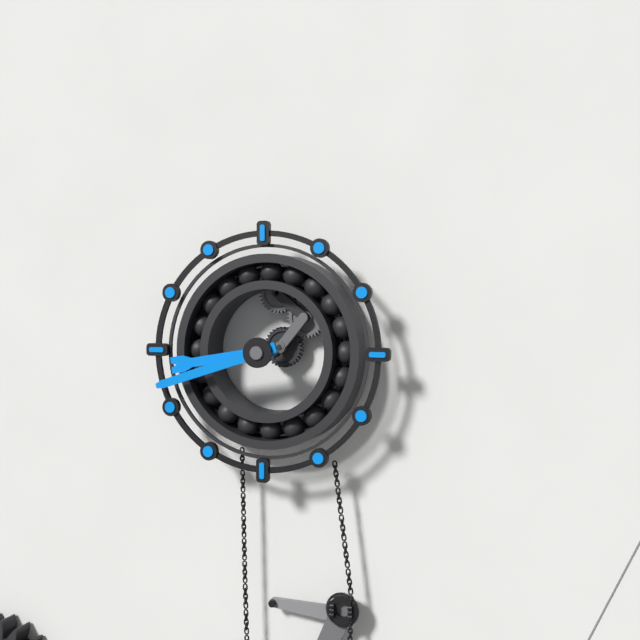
8:42
